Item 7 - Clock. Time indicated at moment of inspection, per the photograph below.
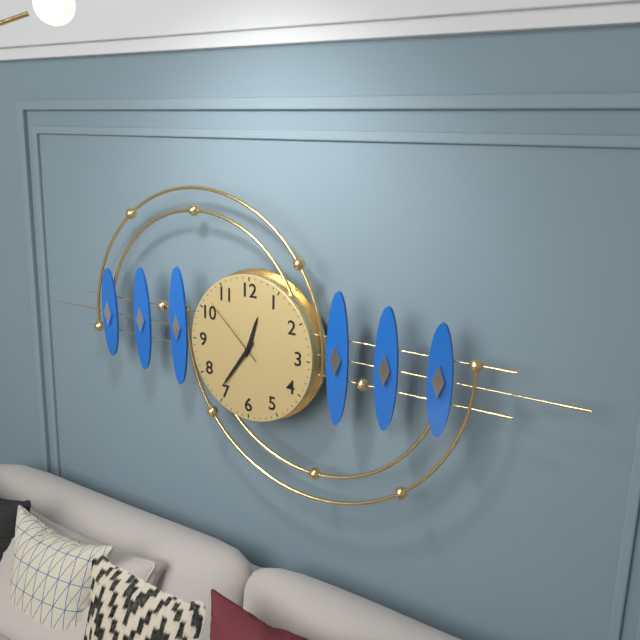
12:36:52
